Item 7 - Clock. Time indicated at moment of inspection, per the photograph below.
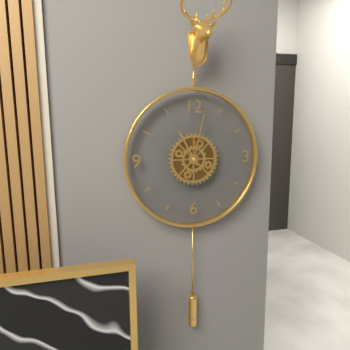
11:02
